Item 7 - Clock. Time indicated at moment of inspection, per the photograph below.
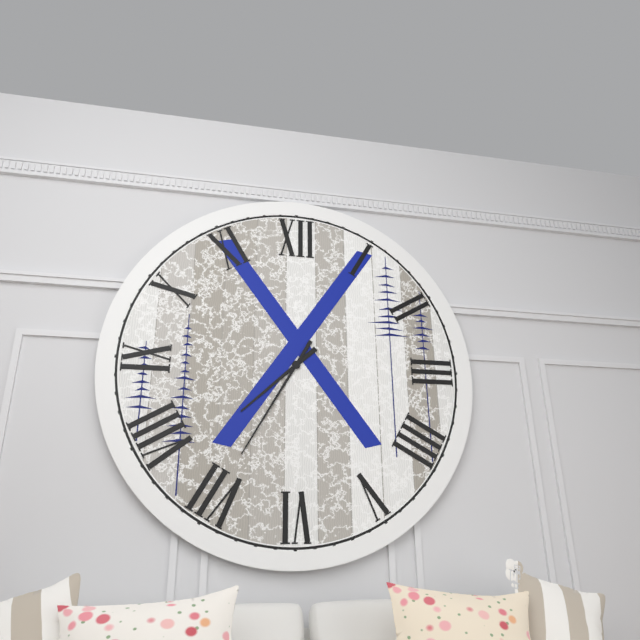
7:35
